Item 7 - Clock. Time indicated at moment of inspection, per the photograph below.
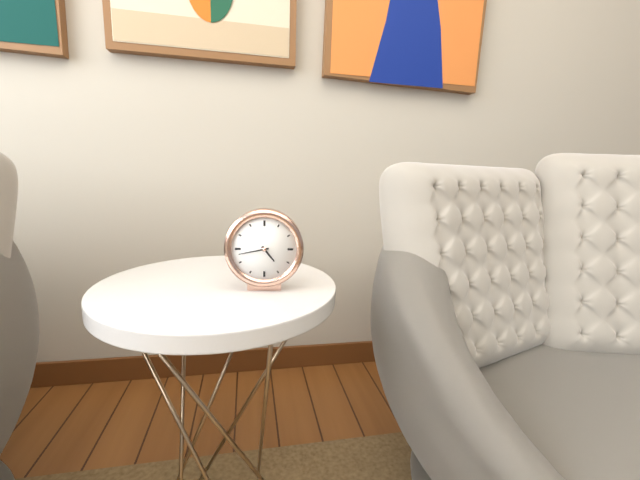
4:43
